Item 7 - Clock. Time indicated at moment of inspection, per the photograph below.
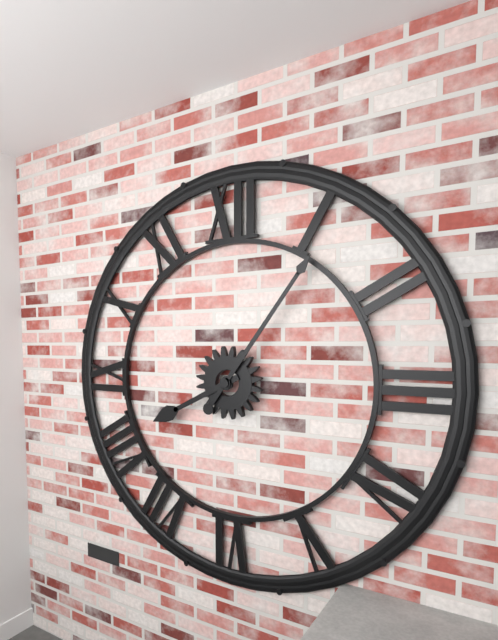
8:06
